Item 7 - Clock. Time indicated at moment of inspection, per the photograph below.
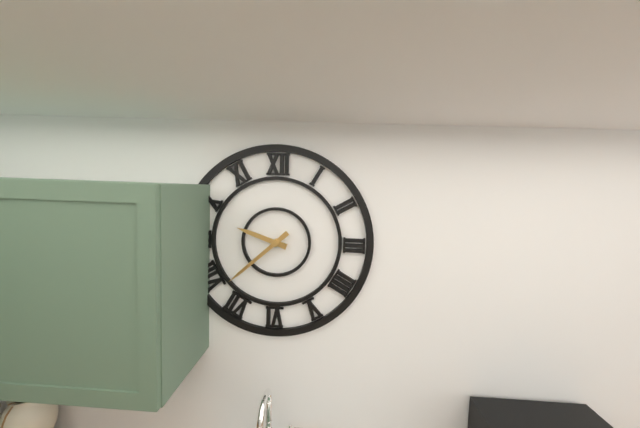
9:38
